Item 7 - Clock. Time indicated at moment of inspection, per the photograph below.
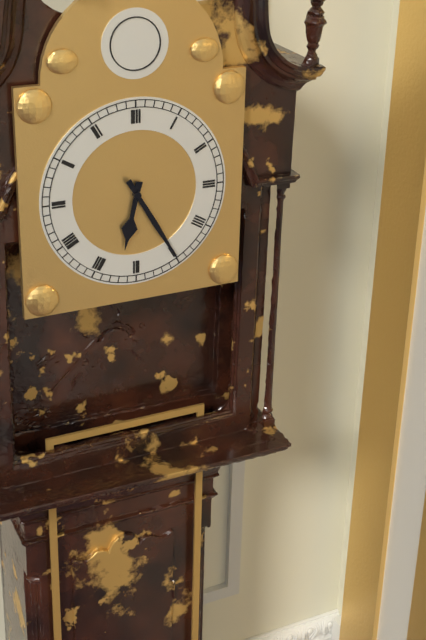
6:25
